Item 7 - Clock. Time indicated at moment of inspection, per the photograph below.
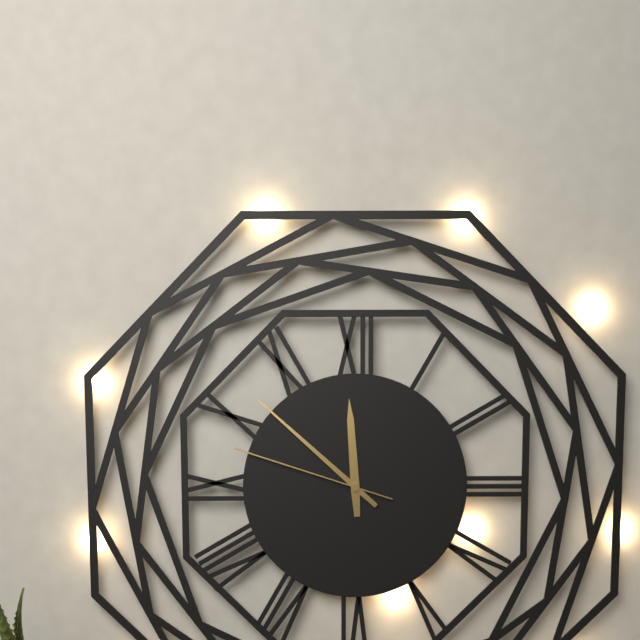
11:52:48
